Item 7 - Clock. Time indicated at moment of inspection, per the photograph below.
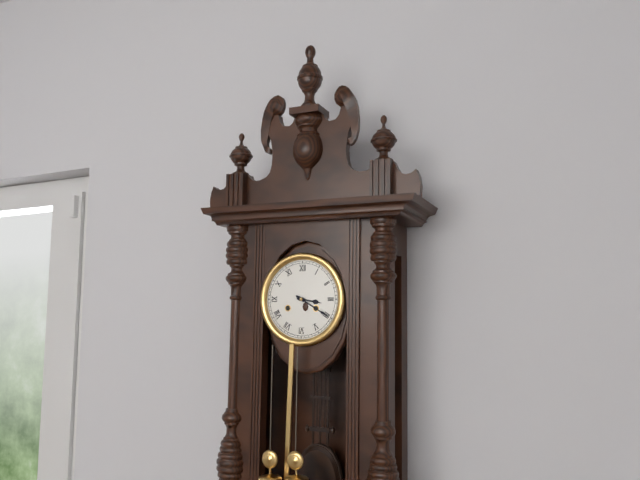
3:20
